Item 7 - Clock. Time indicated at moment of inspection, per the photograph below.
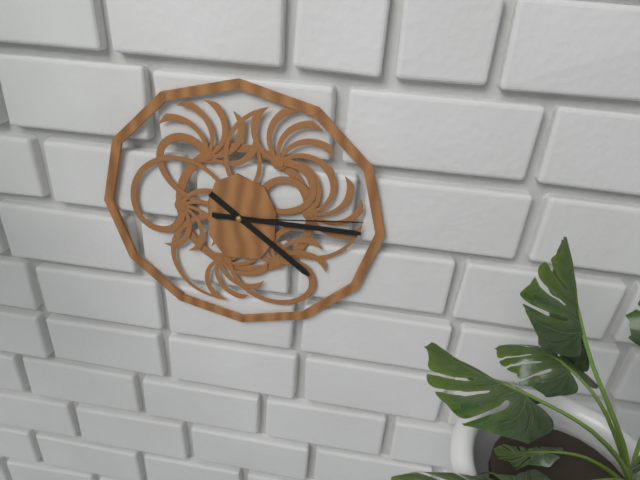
4:15:14
